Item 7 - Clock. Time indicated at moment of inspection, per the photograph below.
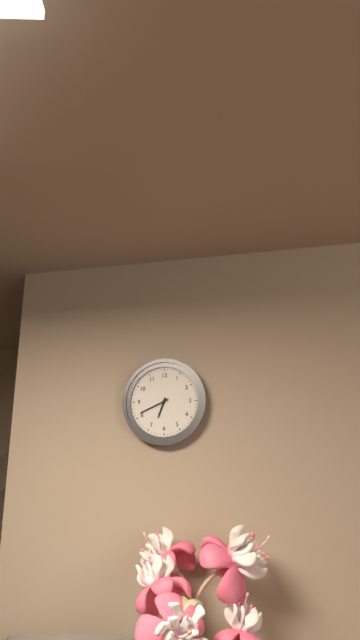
6:41
